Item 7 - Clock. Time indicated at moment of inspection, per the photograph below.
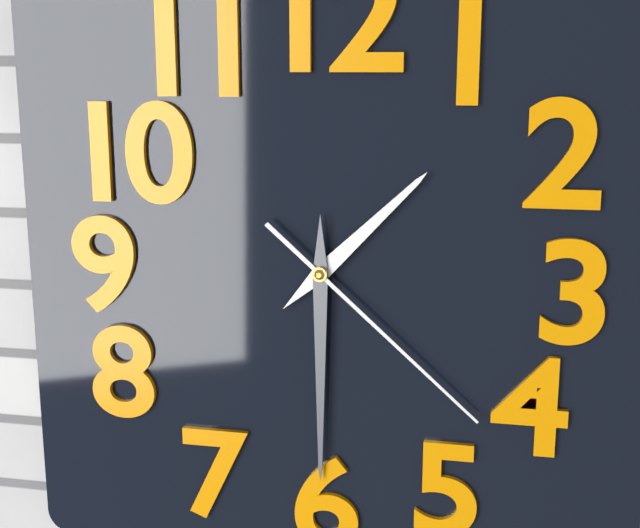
1:30:22
